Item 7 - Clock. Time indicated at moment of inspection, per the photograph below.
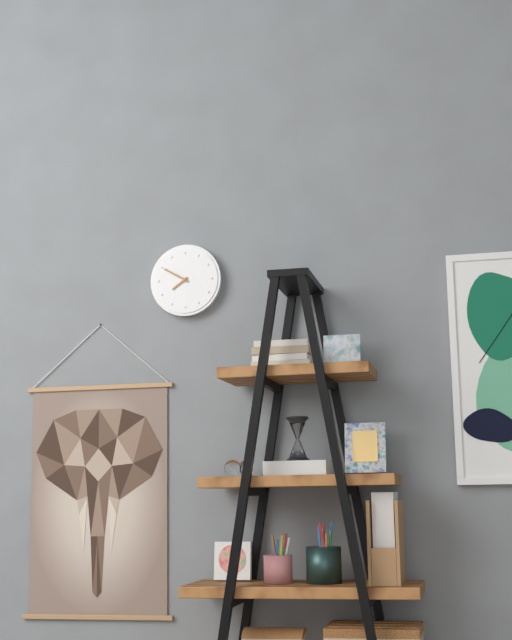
7:50
